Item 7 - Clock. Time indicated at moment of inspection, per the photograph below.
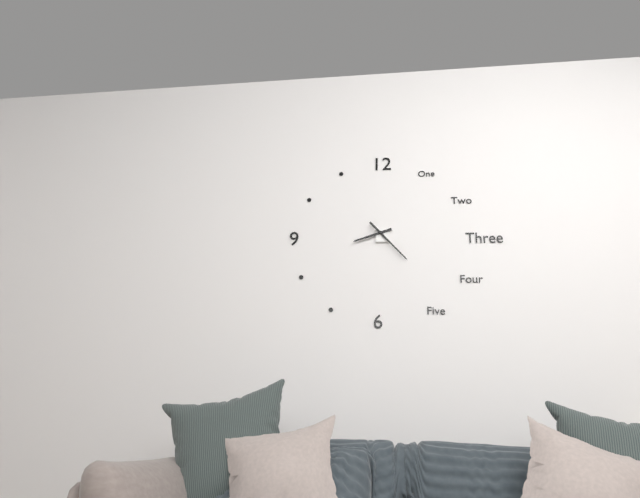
8:23
